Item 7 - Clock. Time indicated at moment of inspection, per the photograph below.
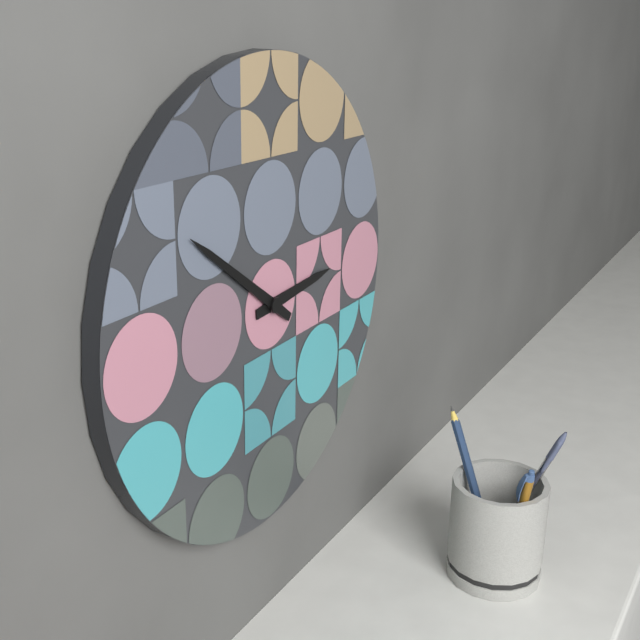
2:51
